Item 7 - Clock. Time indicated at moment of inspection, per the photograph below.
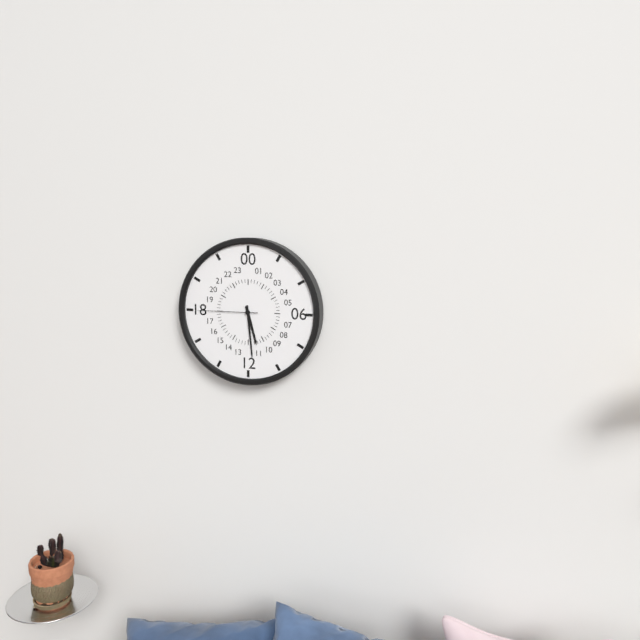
5:29:45
